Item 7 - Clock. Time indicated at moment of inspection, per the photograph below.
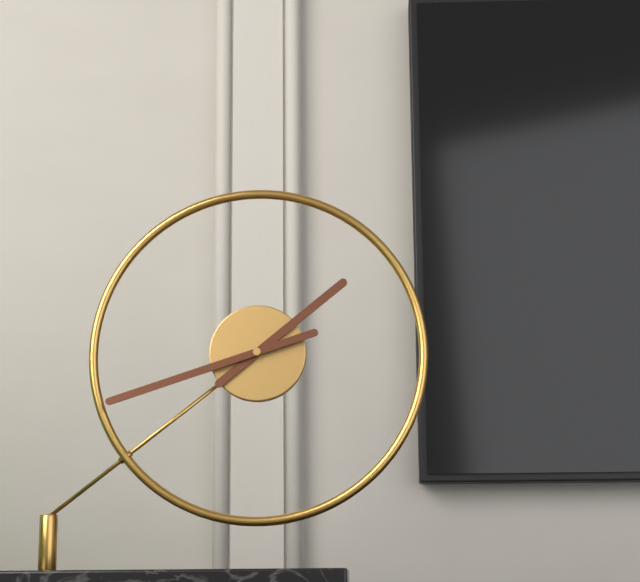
1:42
